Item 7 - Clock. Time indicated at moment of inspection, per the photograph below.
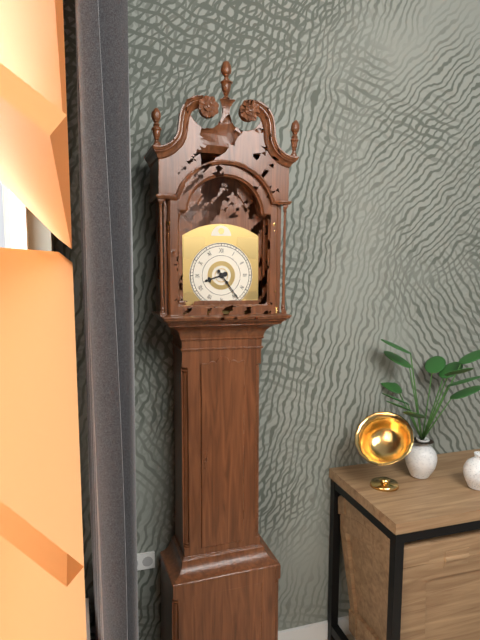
8:24
